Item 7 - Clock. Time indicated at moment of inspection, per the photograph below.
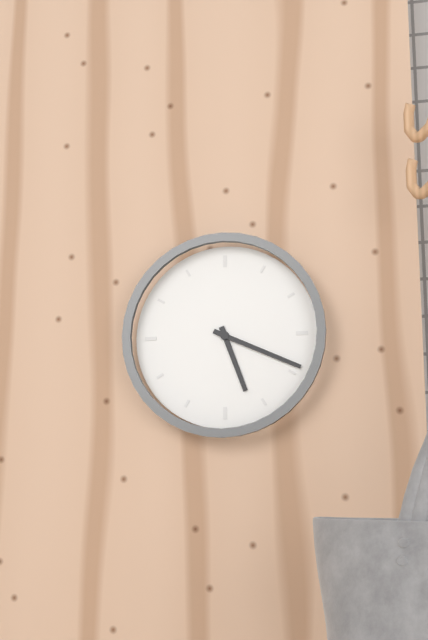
5:19
